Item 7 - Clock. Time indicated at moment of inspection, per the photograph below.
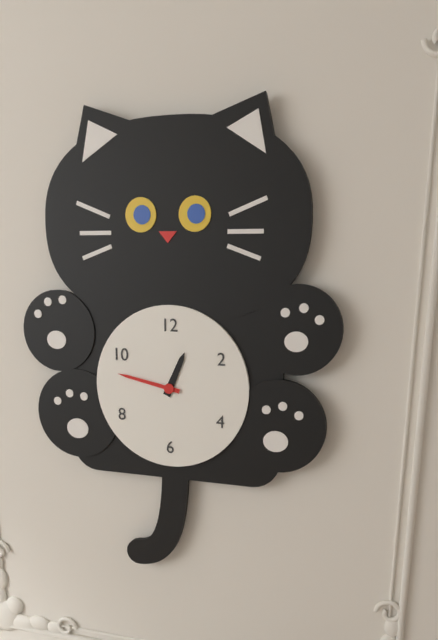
12:47
